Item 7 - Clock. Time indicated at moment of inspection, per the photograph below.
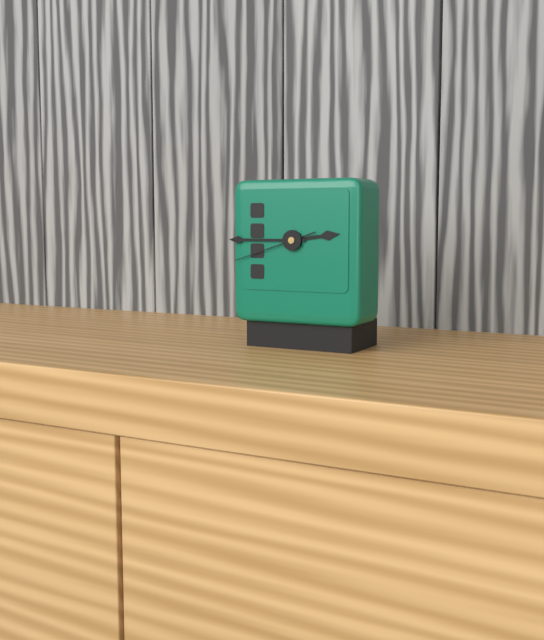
2:45:42
